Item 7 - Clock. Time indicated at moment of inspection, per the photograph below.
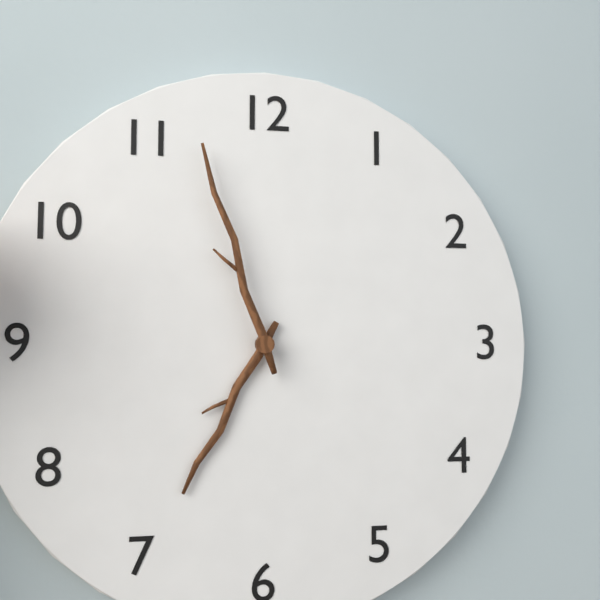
6:57
